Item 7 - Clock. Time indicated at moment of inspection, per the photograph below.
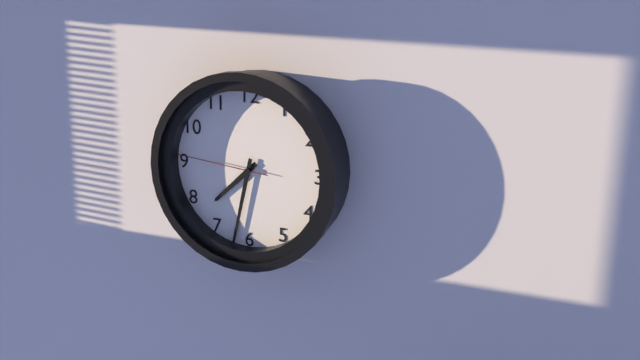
7:32:46
